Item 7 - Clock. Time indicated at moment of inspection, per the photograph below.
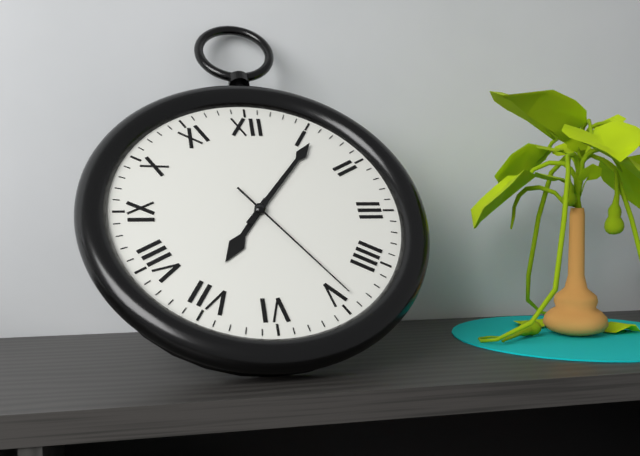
7:06:24
